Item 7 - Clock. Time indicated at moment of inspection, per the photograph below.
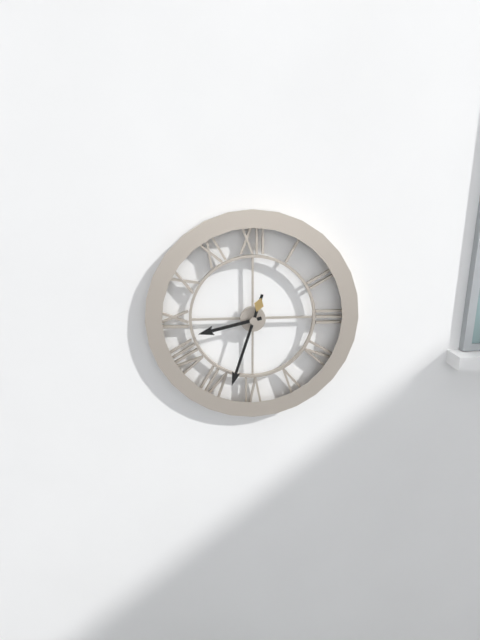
8:33
